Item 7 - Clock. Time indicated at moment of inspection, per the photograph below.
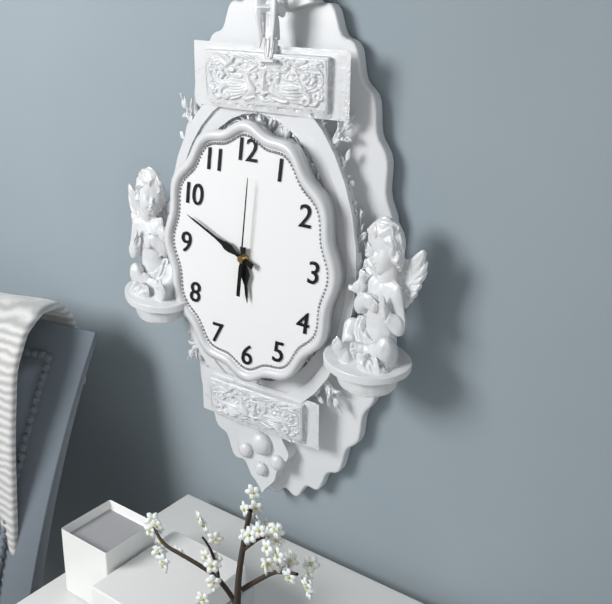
5:49:01
